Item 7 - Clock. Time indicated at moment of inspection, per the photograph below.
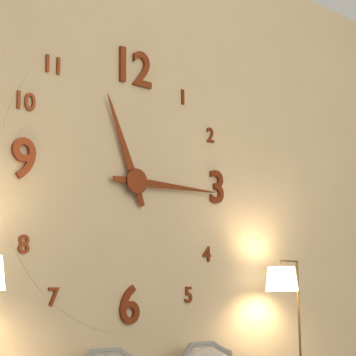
11:15
